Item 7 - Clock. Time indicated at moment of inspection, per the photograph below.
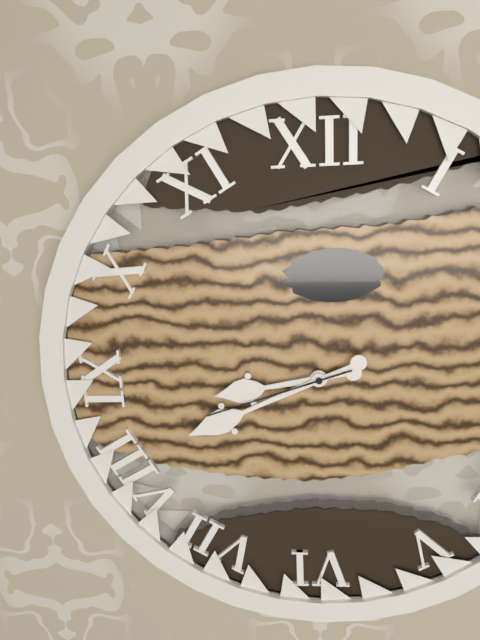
8:41:42
